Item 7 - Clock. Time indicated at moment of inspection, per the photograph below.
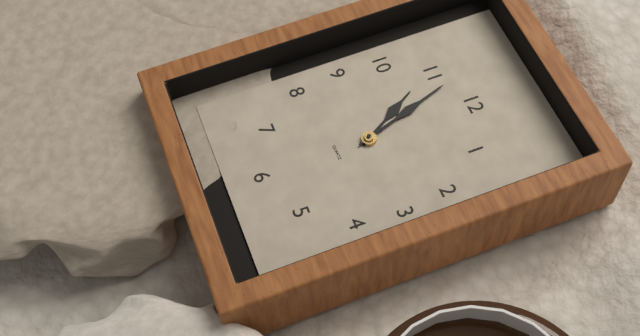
10:57
